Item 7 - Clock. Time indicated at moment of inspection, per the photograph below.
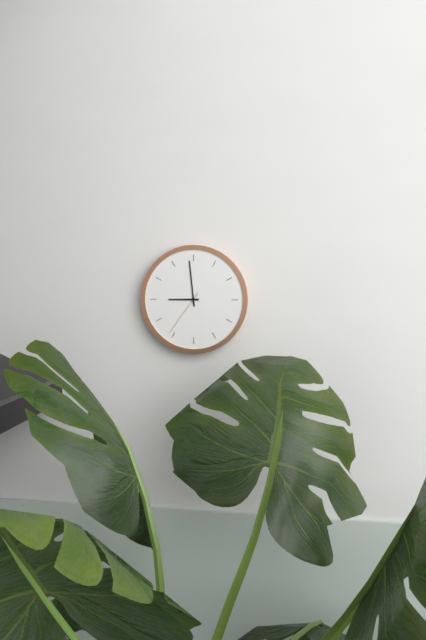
8:59:36
